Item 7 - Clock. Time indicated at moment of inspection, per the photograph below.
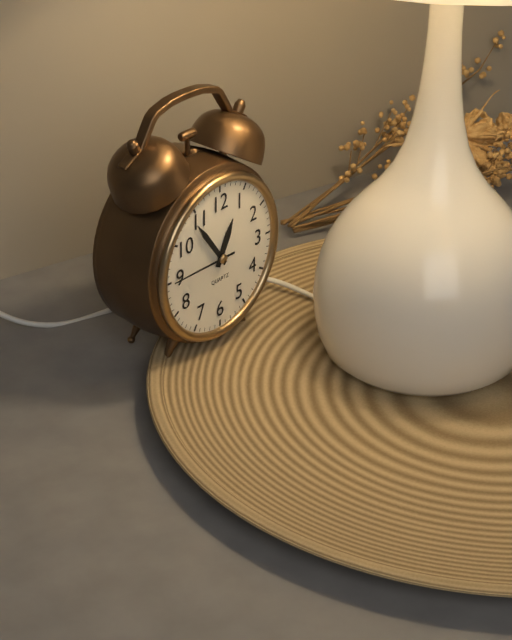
12:54:45
